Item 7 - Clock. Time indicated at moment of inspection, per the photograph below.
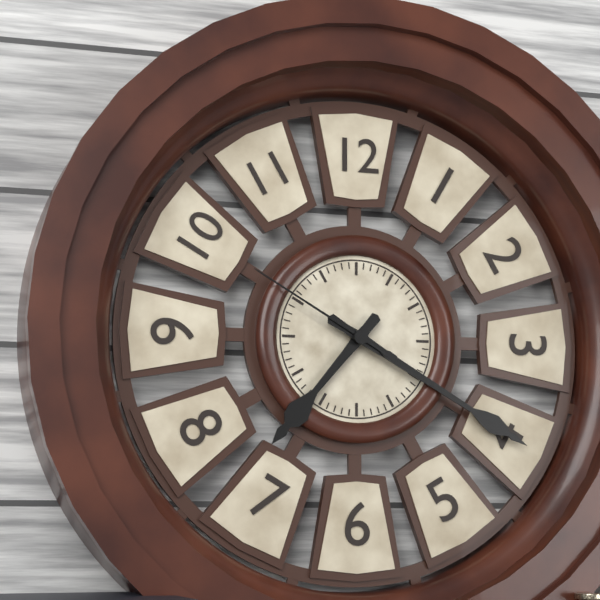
7:20:50
